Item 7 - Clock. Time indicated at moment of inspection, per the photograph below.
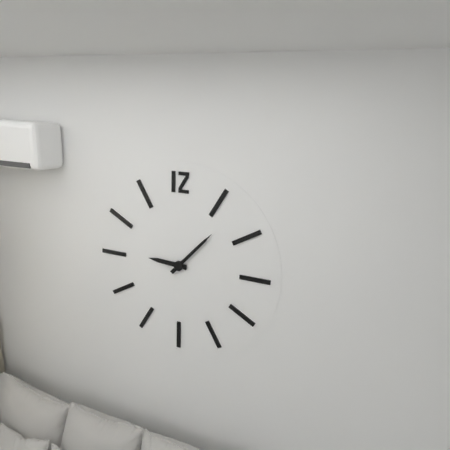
9:07
